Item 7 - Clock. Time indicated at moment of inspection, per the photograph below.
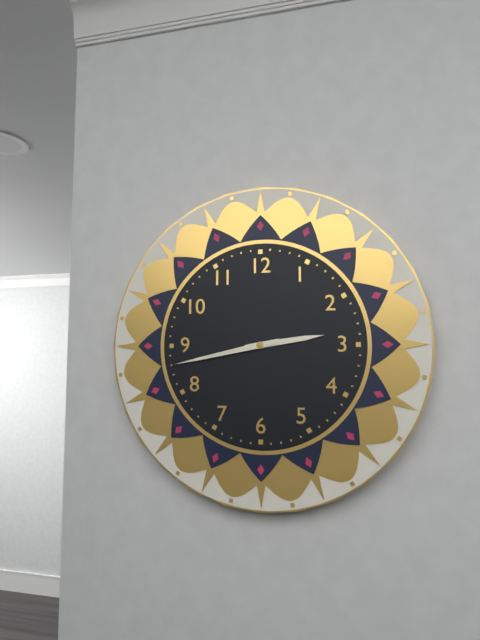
2:43
